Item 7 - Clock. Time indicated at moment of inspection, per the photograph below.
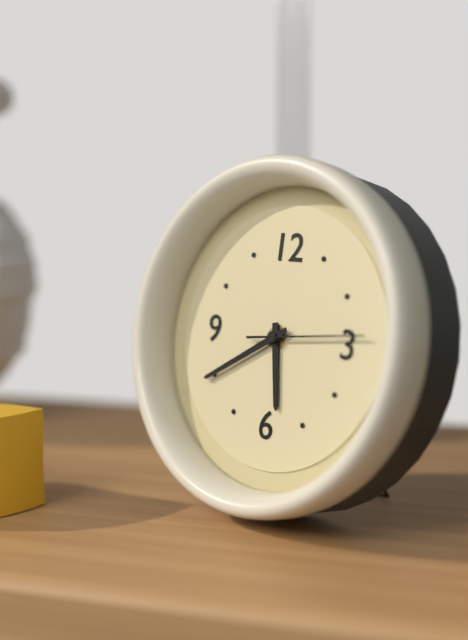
5:40:14
